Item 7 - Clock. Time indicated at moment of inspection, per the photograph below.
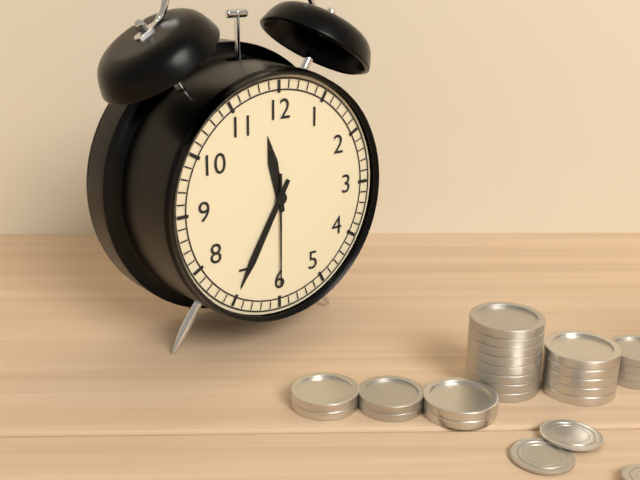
11:35:30
